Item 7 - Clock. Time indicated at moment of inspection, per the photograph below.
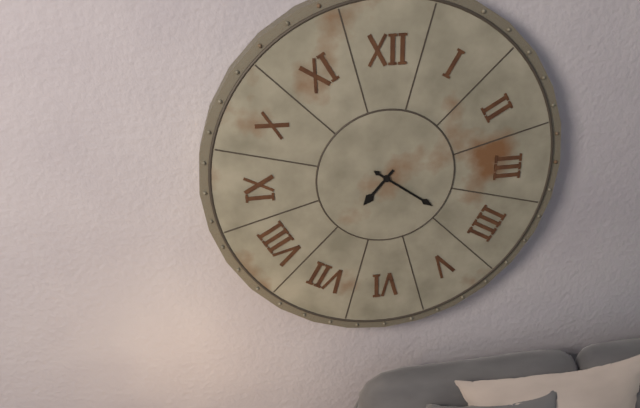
7:21
